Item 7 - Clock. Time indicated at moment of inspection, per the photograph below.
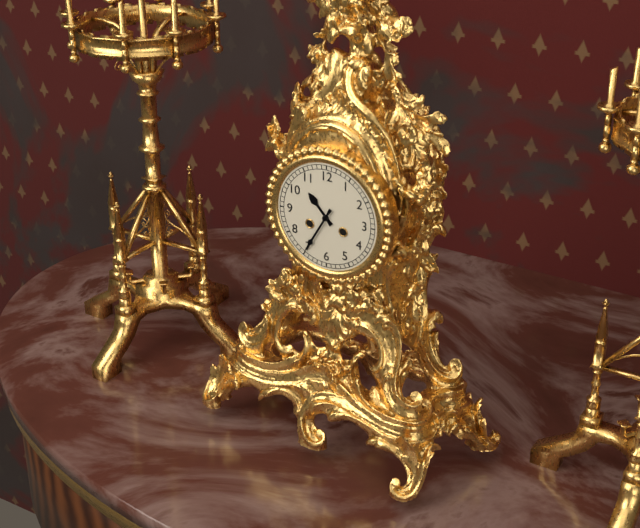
10:35
